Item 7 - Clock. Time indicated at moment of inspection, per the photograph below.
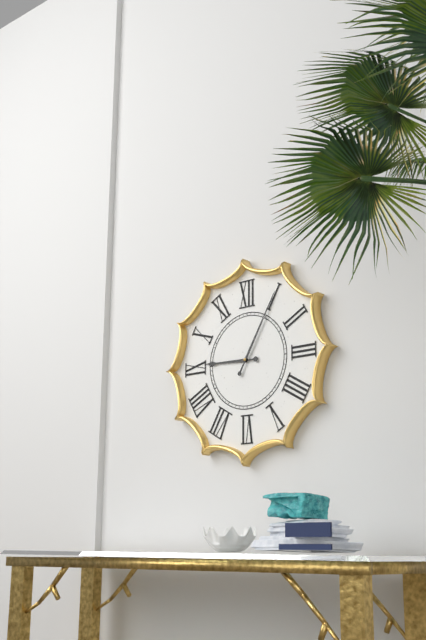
9:05
